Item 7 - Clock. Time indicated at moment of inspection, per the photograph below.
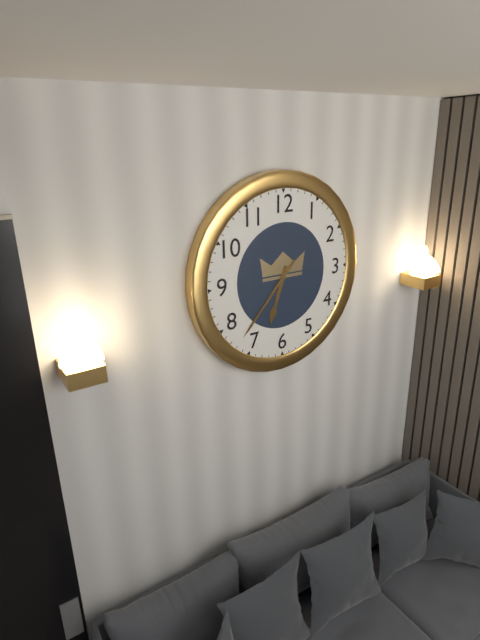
6:37
